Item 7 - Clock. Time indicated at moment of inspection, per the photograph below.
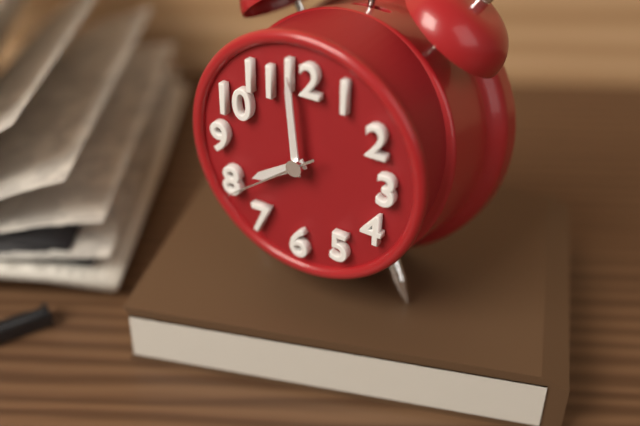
7:59:39
